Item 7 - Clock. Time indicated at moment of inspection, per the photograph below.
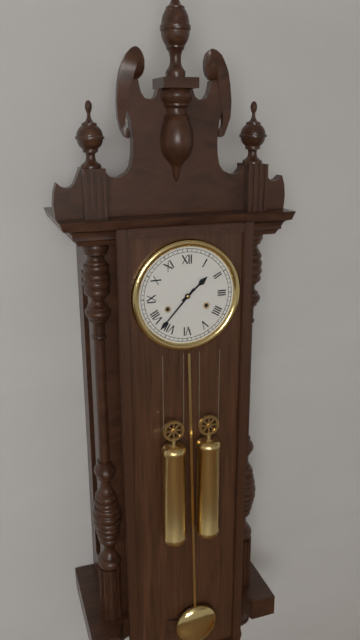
1:37
